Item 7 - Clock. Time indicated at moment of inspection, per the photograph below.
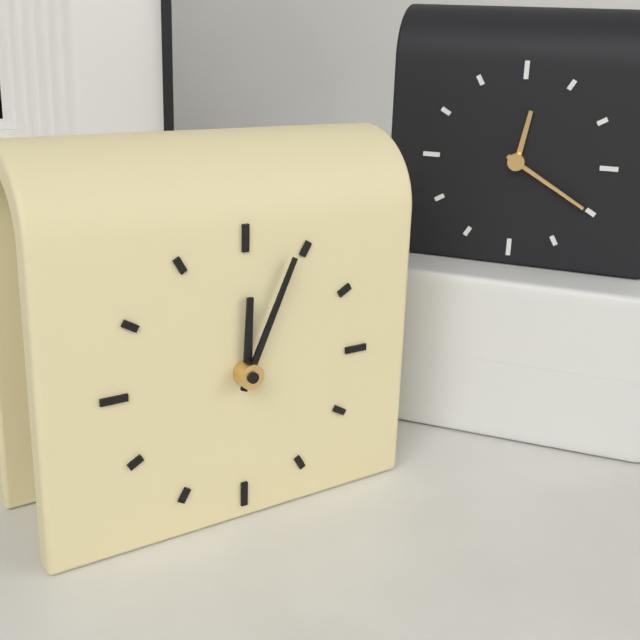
12:04
